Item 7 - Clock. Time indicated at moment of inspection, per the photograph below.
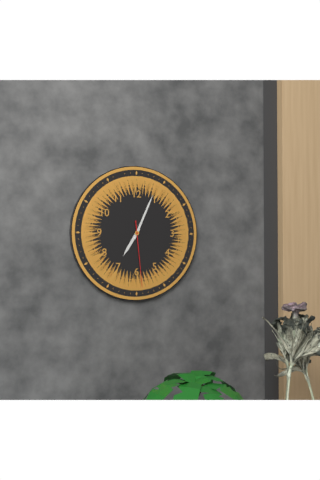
7:04:29
